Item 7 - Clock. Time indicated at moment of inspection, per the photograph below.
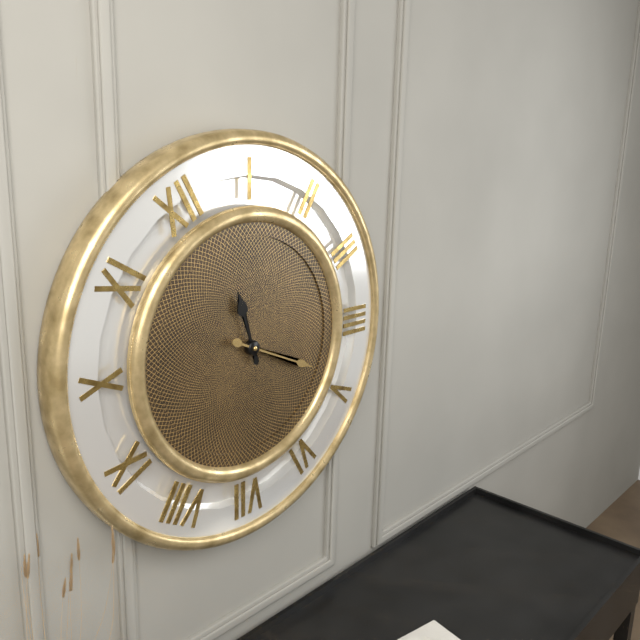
12:24
